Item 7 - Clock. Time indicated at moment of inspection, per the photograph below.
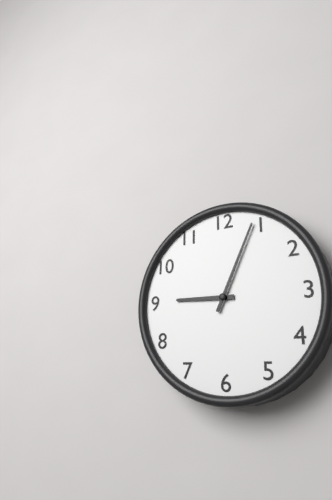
9:04
